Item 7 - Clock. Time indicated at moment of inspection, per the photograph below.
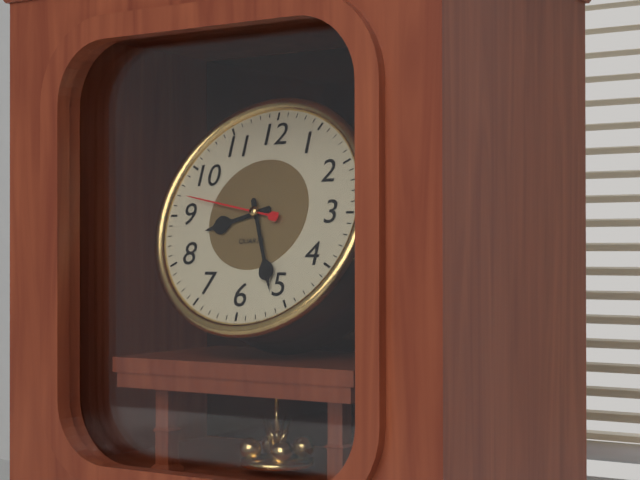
8:26:47
